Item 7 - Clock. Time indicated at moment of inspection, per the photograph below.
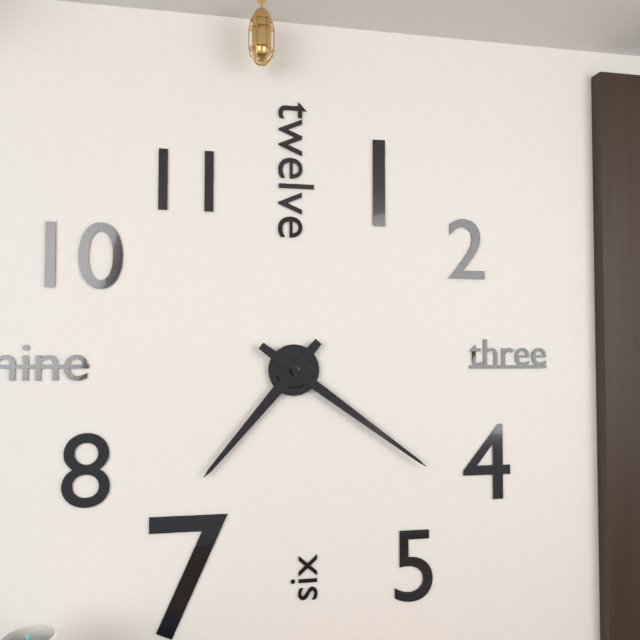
7:21
